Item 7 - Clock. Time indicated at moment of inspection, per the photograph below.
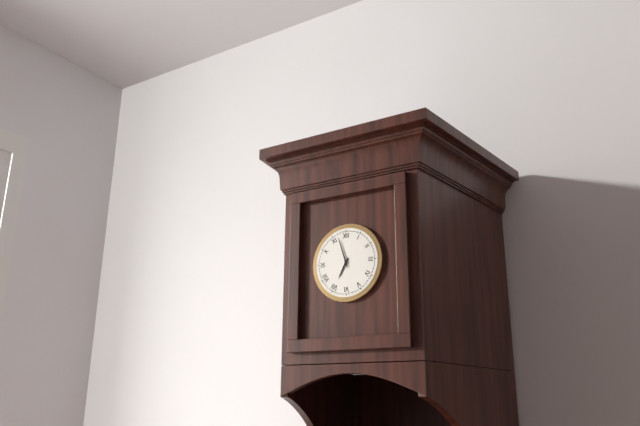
6:57
